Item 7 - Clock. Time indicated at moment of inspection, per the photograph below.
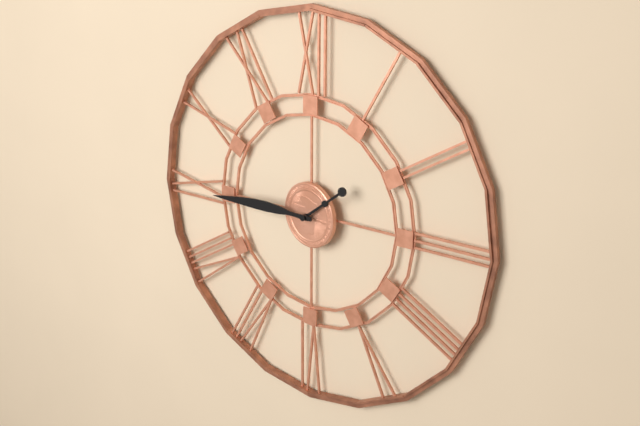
1:45
